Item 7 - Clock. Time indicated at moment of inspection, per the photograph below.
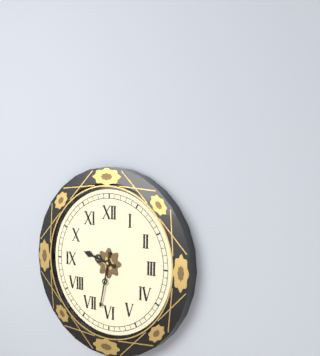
9:32
